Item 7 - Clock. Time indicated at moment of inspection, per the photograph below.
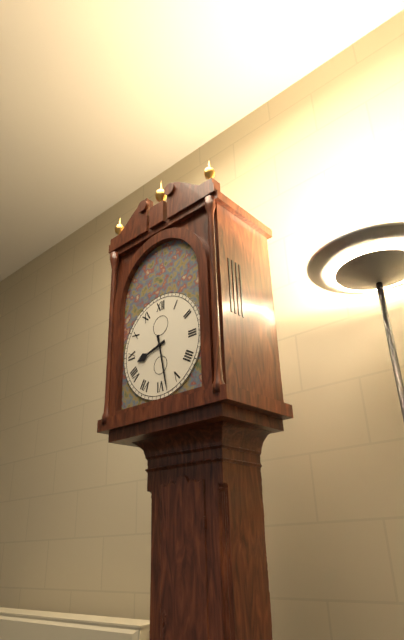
8:28
